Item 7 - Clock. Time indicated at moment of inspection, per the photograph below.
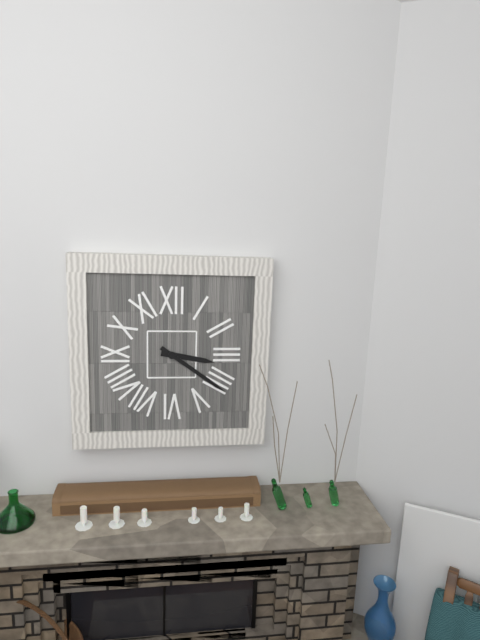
3:21
